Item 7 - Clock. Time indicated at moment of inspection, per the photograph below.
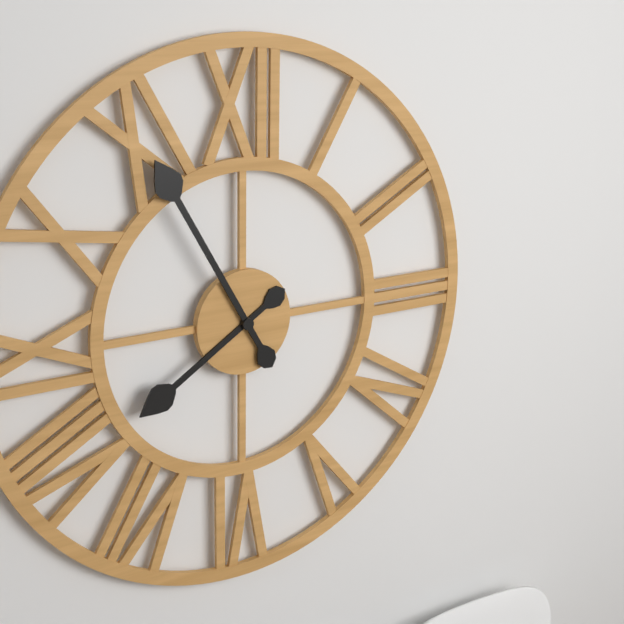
7:55
